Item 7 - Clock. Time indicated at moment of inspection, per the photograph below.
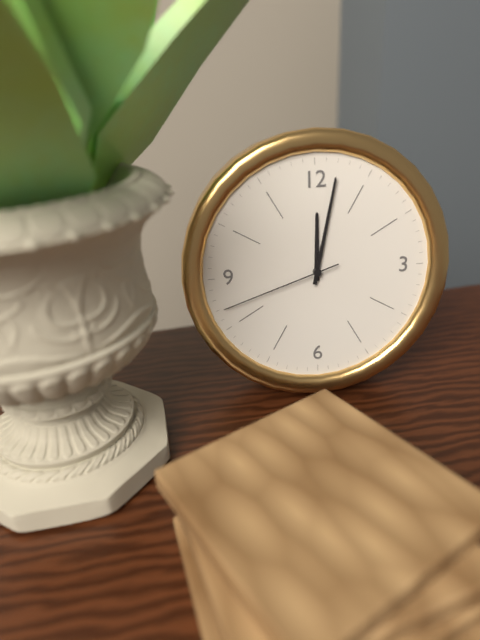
12:02:42
